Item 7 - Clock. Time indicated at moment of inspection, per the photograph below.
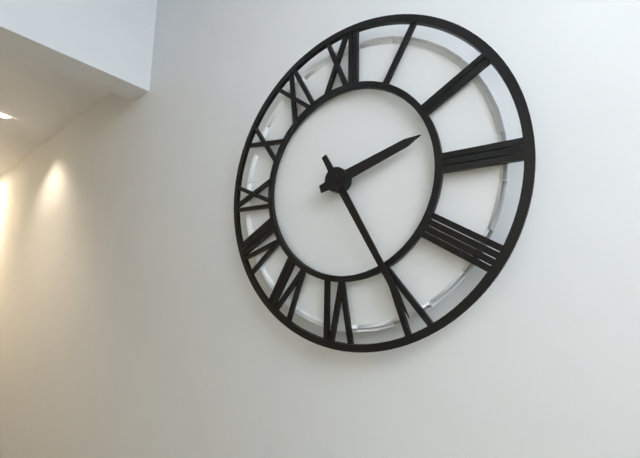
2:25
